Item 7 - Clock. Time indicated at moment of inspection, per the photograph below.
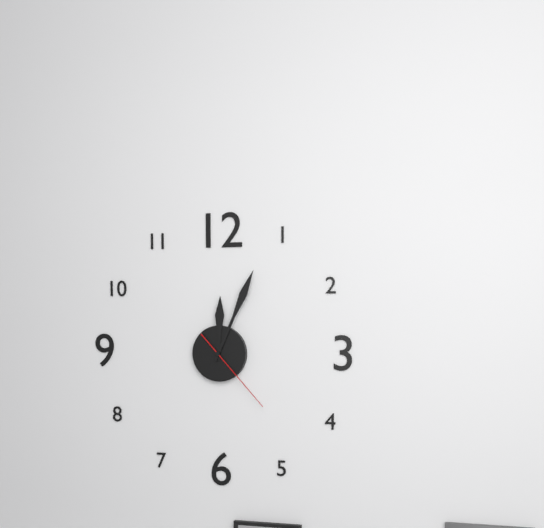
12:04:23
